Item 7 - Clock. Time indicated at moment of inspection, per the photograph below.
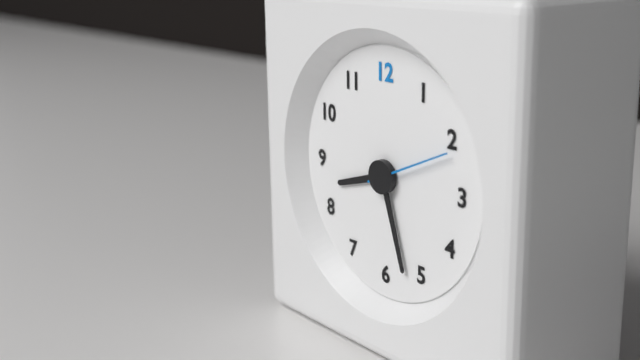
8:27:11
